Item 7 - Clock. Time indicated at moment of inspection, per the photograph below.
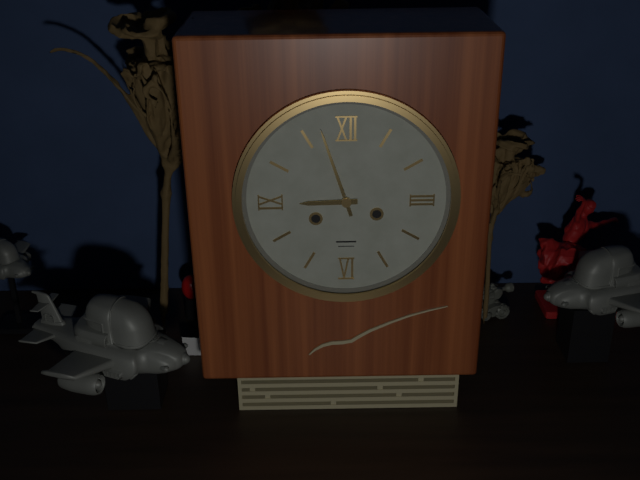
8:57
